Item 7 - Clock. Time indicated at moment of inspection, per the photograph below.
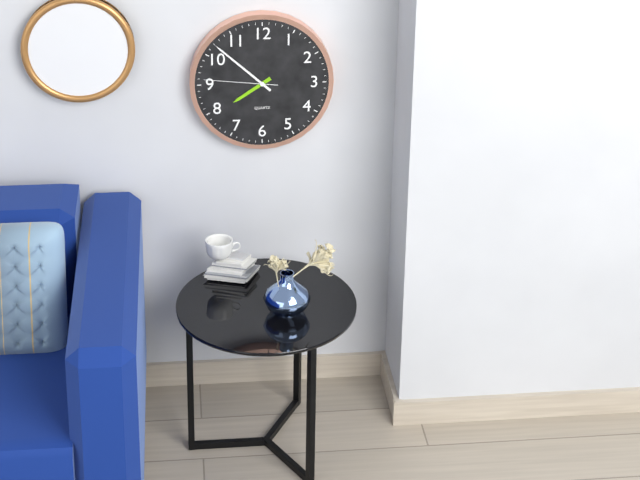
7:52:46
